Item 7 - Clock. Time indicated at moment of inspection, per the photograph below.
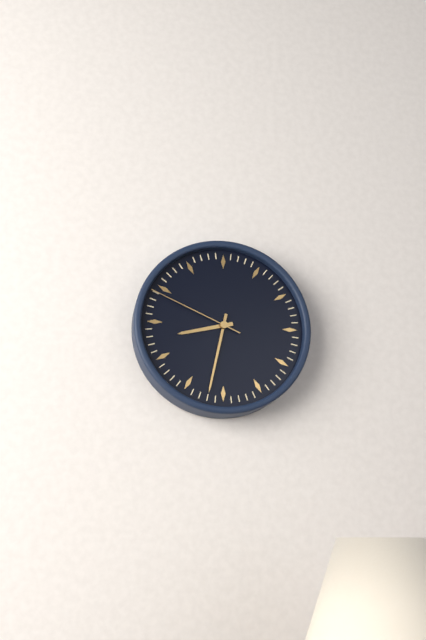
8:32:49
